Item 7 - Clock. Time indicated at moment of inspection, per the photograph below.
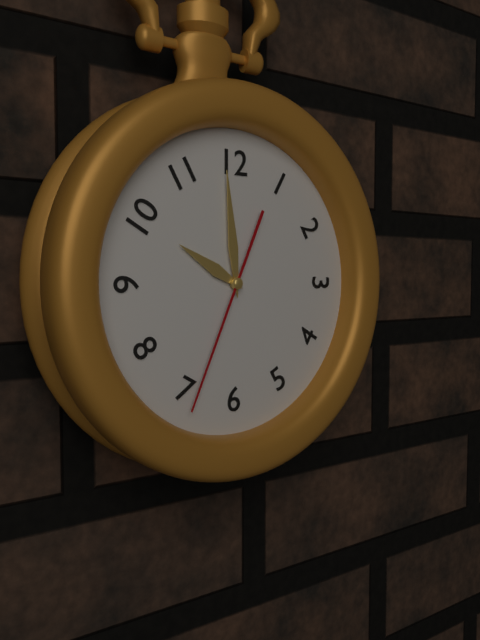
9:59:34
